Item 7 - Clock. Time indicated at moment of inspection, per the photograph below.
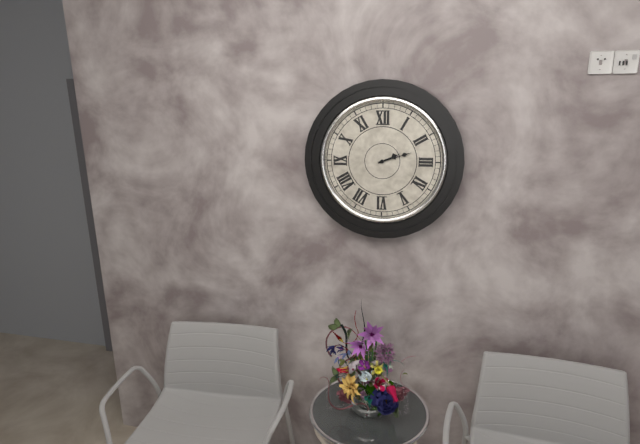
2:12
